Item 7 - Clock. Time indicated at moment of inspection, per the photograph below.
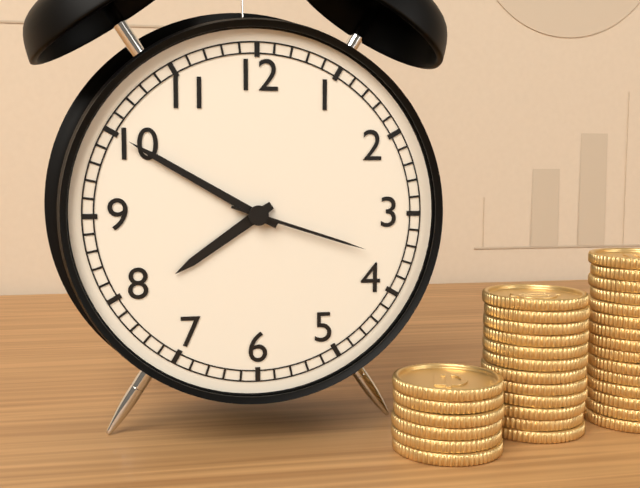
7:50:18
